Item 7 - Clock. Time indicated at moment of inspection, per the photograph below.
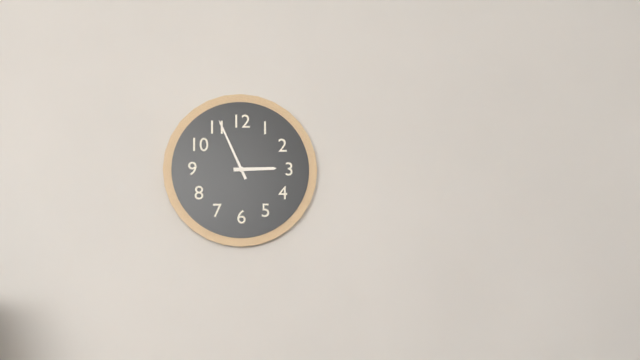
2:56
